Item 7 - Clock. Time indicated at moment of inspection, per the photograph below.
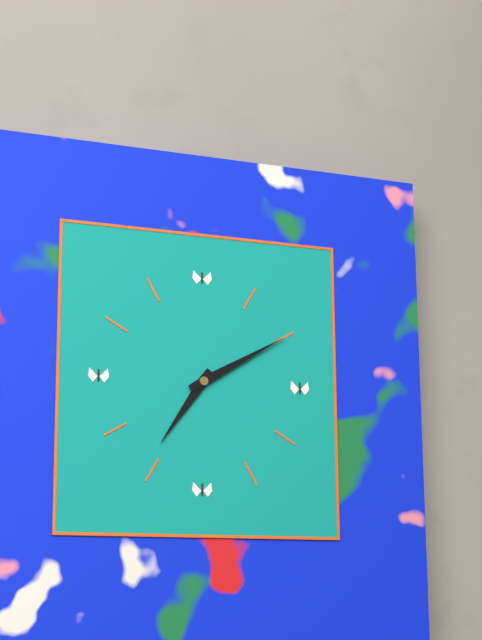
7:10
